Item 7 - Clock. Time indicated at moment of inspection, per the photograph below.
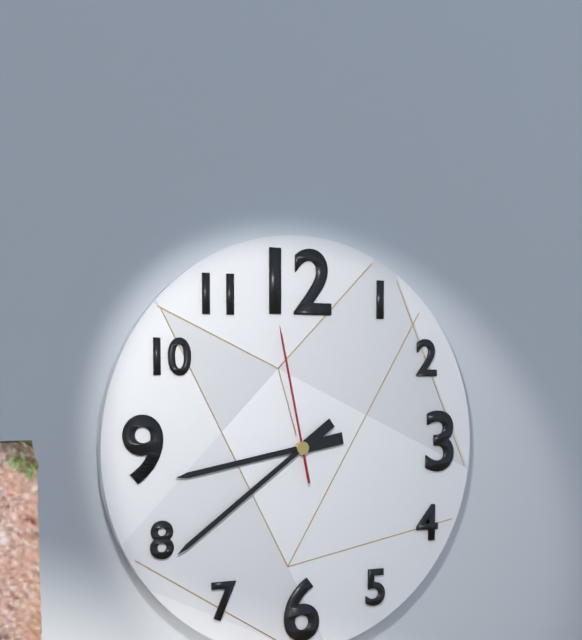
8:39:58
